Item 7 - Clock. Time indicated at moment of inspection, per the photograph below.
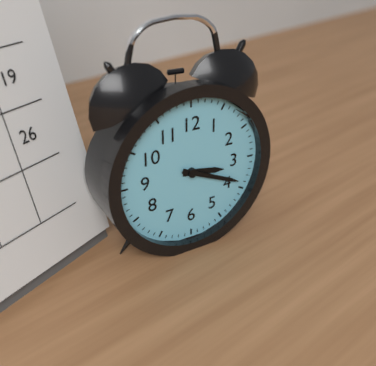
3:19
